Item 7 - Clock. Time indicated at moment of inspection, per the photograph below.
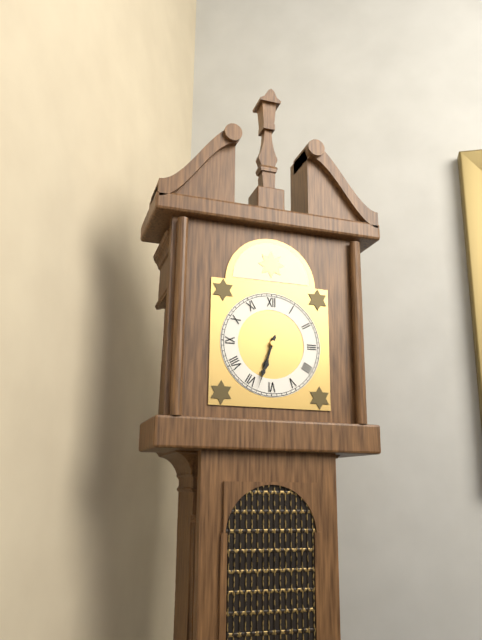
6:33
